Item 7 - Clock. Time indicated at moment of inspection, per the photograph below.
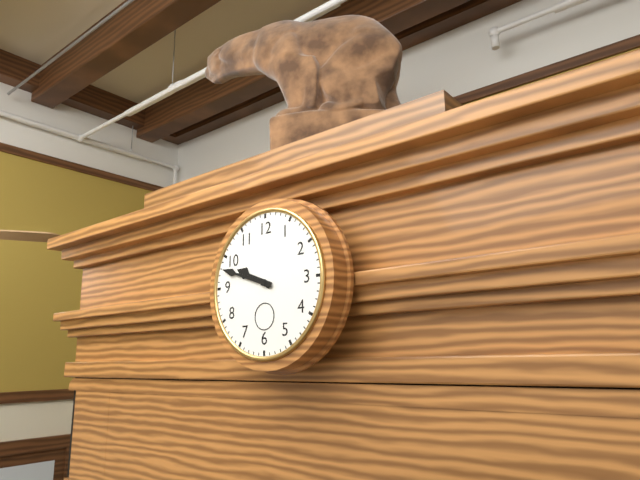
9:48
